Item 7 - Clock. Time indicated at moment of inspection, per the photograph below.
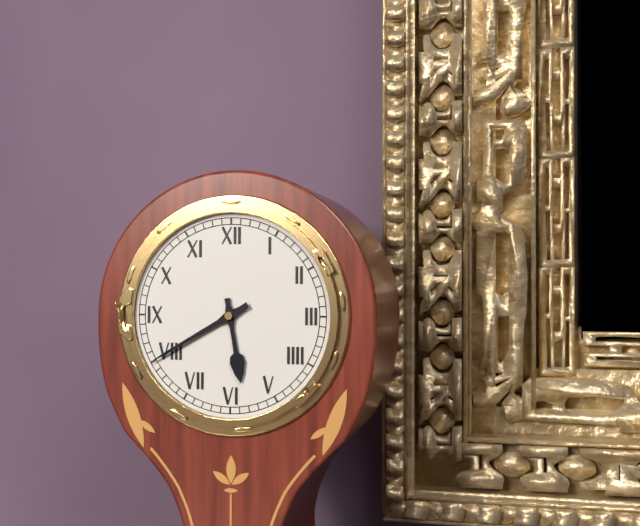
5:40
